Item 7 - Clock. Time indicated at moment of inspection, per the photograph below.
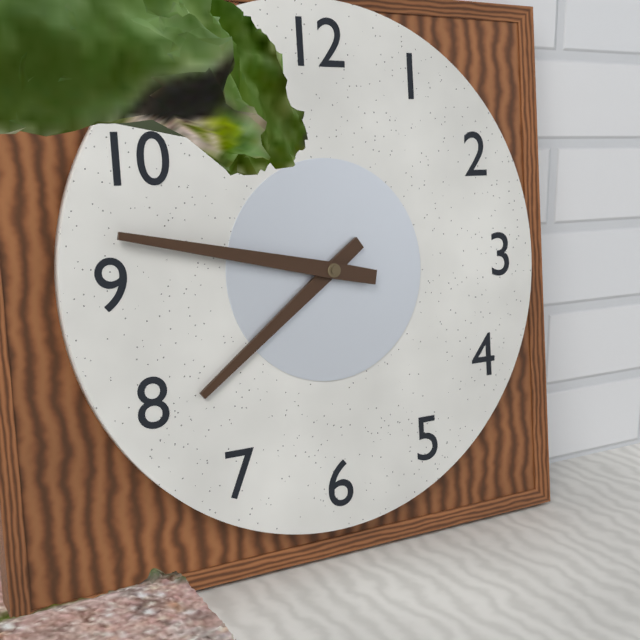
7:47
